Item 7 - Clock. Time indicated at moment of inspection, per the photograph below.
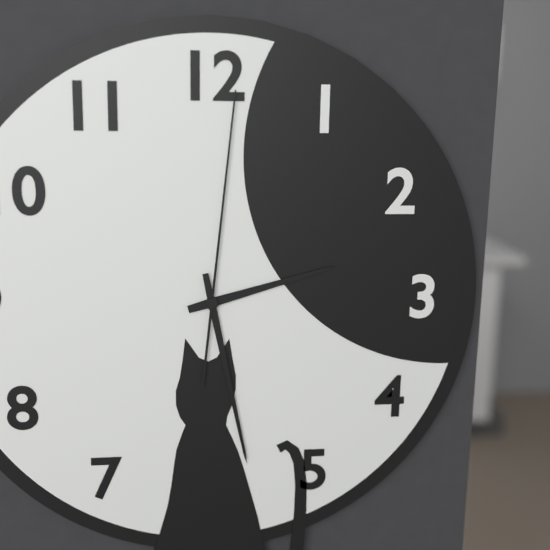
2:28:01
